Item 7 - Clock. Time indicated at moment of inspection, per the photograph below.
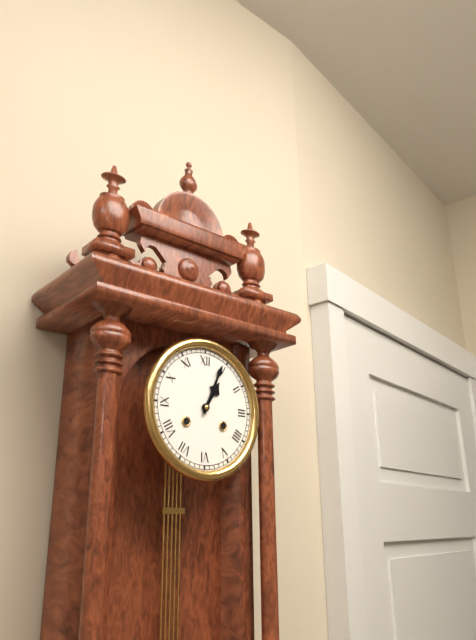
1:04
